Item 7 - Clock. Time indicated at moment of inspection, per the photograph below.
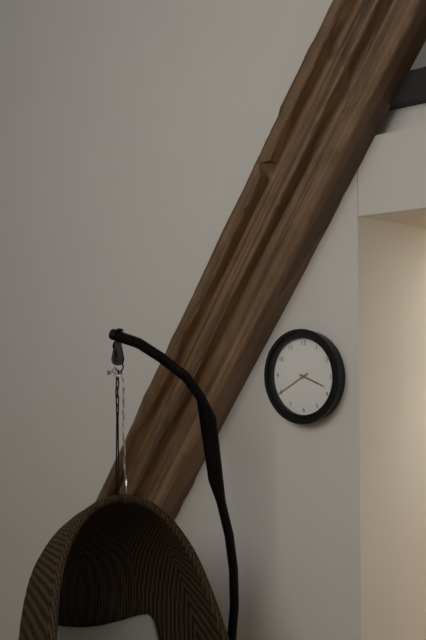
3:40
